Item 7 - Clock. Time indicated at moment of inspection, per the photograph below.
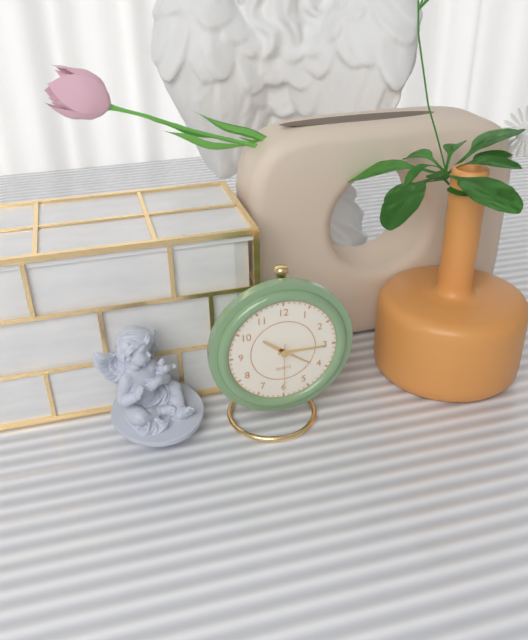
10:15:30
